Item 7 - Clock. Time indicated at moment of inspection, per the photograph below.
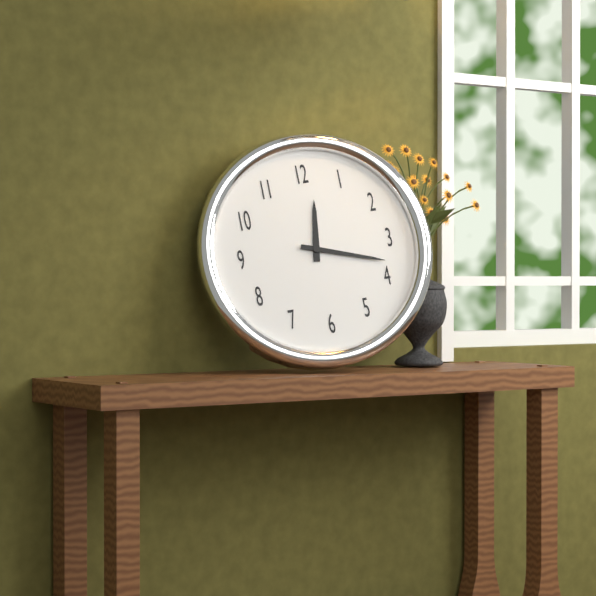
12:18
